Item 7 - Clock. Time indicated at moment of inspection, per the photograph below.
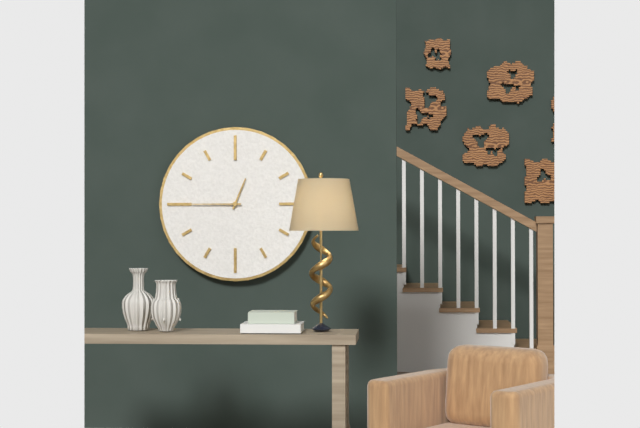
12:45
